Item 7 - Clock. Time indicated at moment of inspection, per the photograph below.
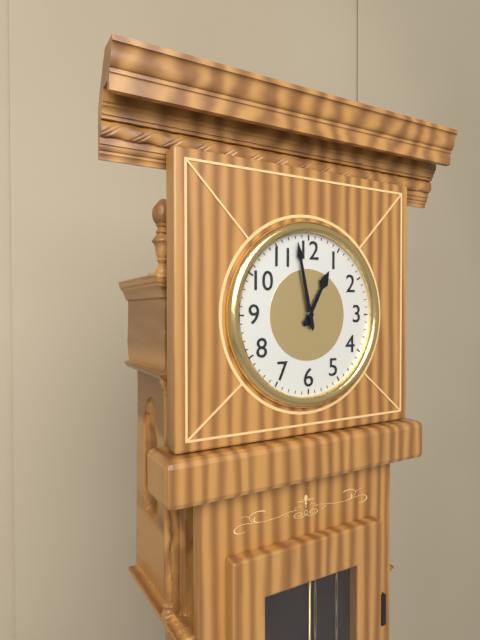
12:58
